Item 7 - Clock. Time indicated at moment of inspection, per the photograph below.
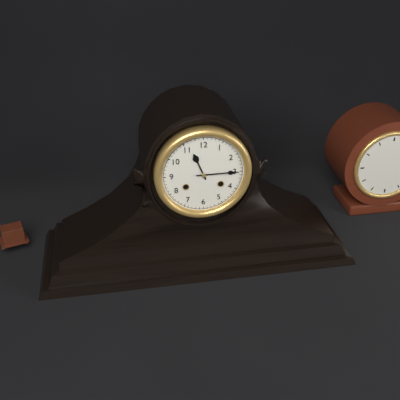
11:15
